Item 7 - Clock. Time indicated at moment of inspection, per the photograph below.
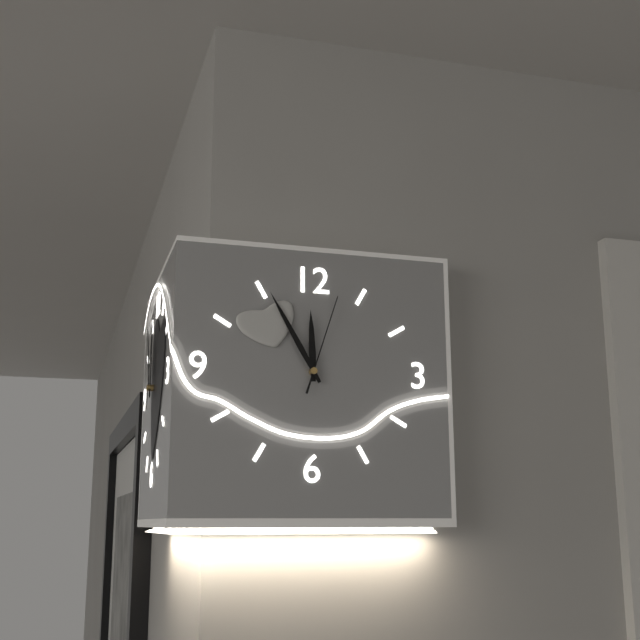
11:55:03
